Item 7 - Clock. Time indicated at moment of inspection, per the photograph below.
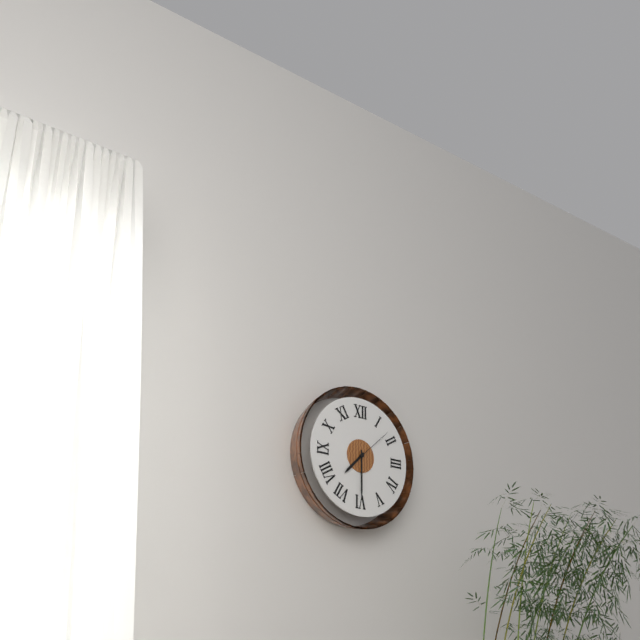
7:30
